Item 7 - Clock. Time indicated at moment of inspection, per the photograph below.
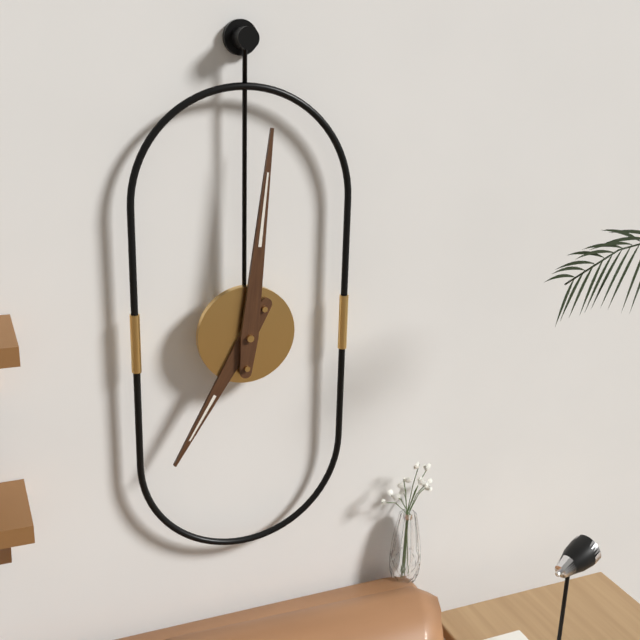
7:01
